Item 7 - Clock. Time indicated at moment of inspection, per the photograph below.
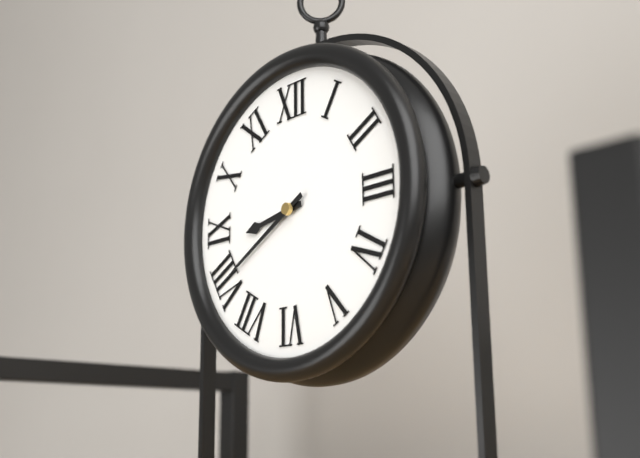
8:40
